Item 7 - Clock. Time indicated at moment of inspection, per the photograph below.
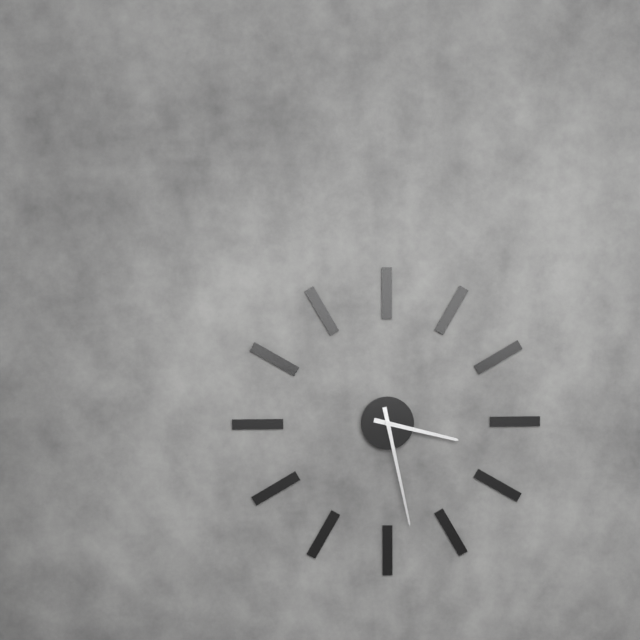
3:28
